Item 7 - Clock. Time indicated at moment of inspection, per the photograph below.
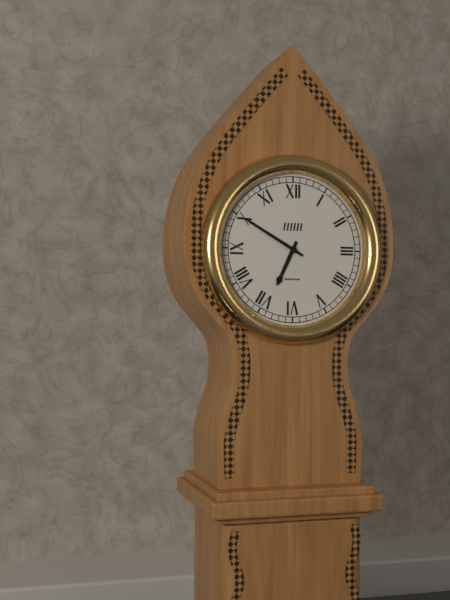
6:50
